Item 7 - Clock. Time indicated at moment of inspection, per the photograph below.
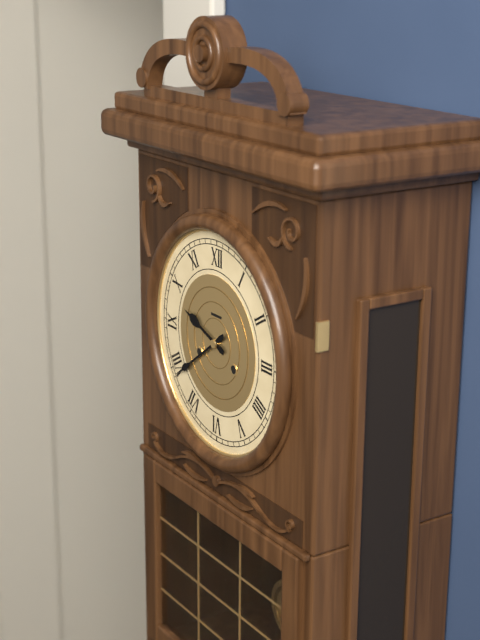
9:39
